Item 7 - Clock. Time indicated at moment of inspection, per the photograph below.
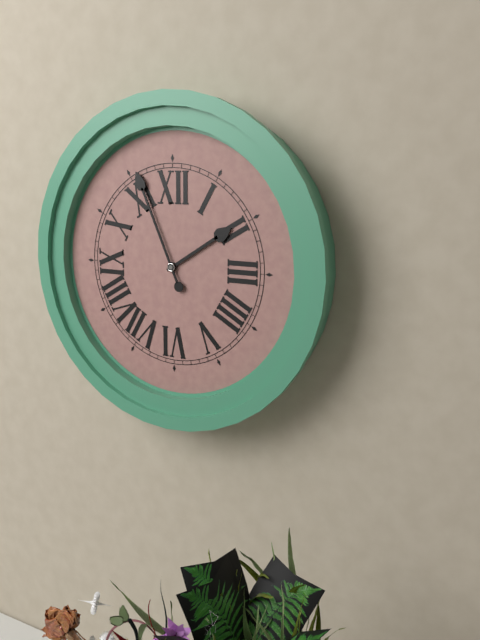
1:56
